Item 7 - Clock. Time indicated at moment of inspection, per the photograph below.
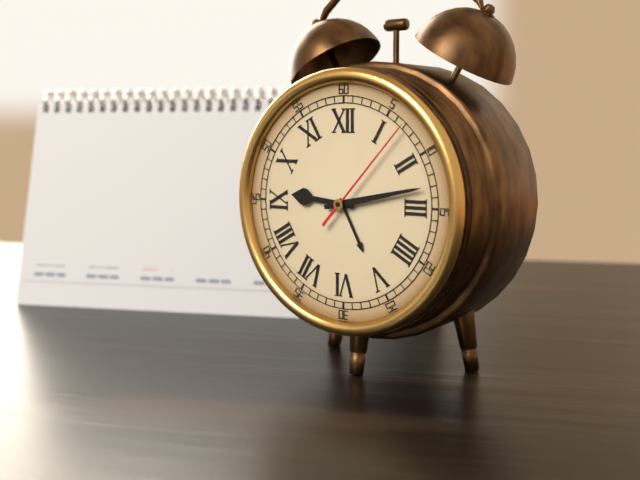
9:13:07
